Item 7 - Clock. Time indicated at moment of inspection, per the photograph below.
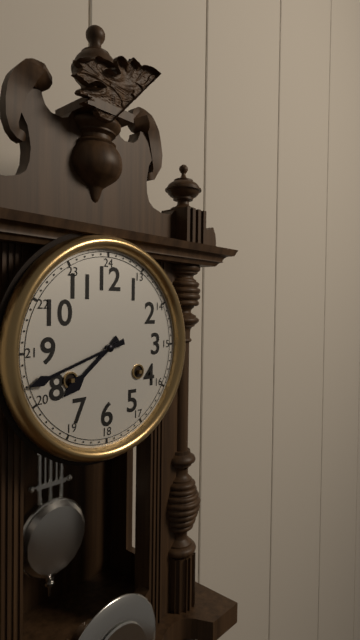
7:42
